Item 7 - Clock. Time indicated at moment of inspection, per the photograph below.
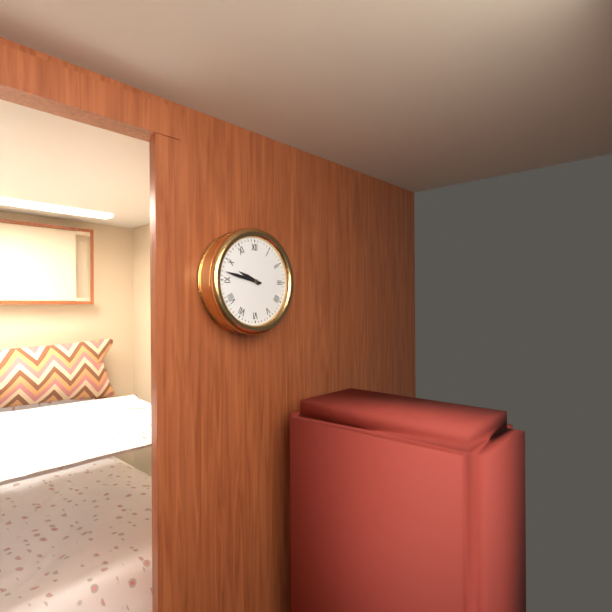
9:47
